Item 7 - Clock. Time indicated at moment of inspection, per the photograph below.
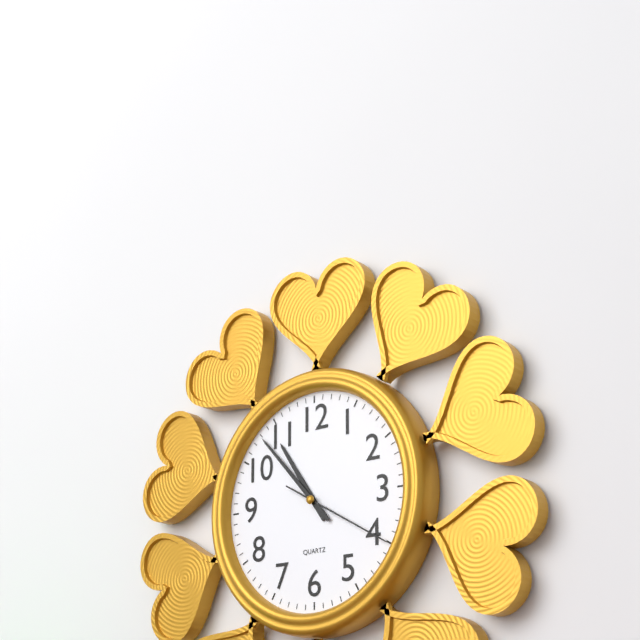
10:53:20
